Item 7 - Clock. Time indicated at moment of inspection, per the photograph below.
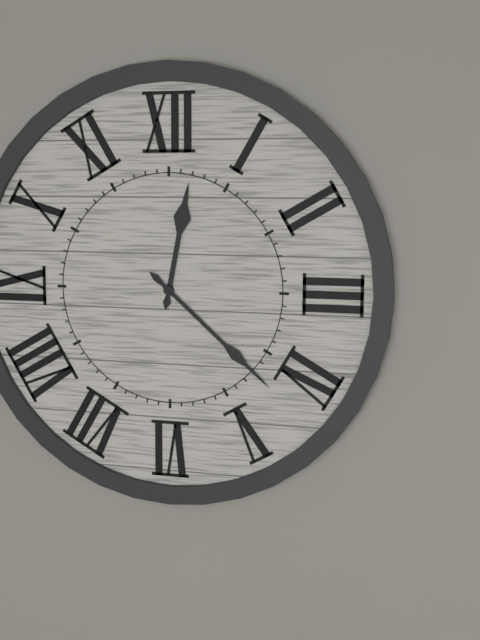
12:22
